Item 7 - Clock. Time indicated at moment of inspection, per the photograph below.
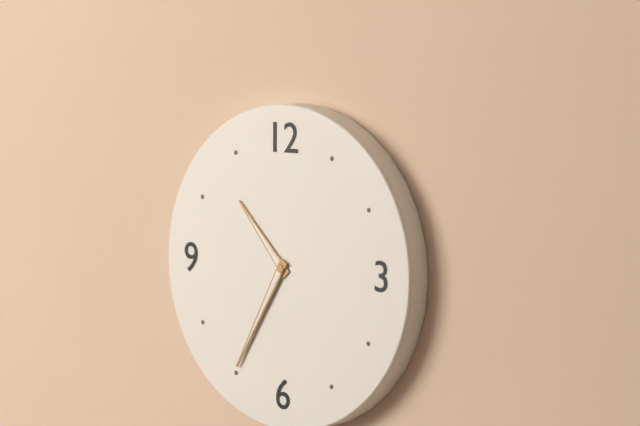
10:35
